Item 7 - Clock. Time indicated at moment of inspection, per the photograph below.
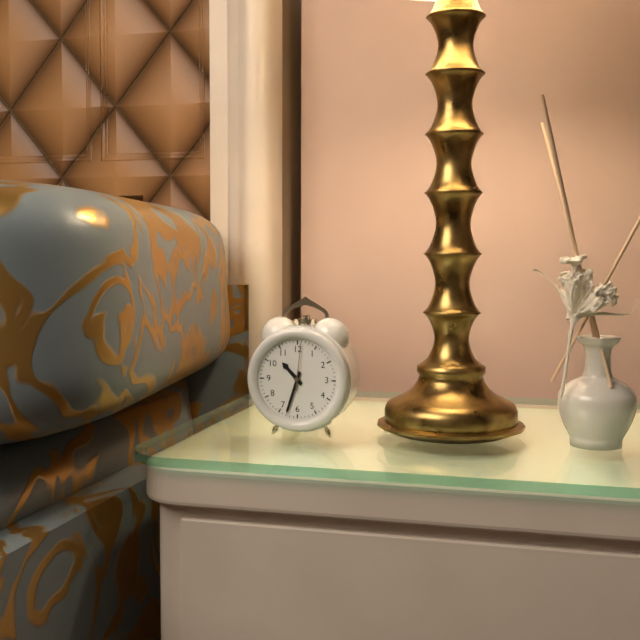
10:33
